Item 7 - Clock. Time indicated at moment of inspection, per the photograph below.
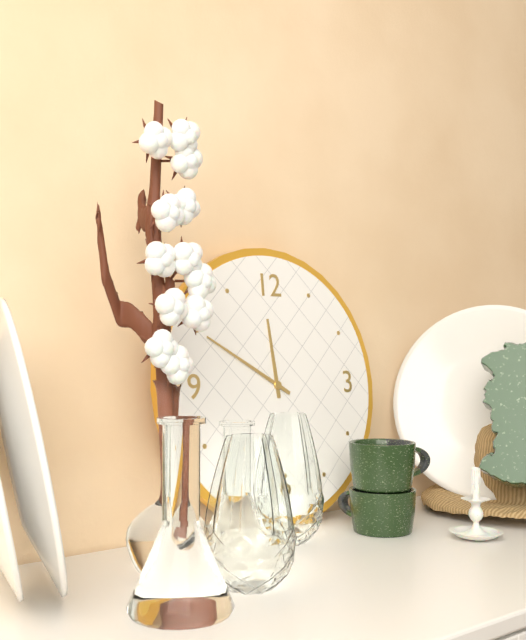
11:50
